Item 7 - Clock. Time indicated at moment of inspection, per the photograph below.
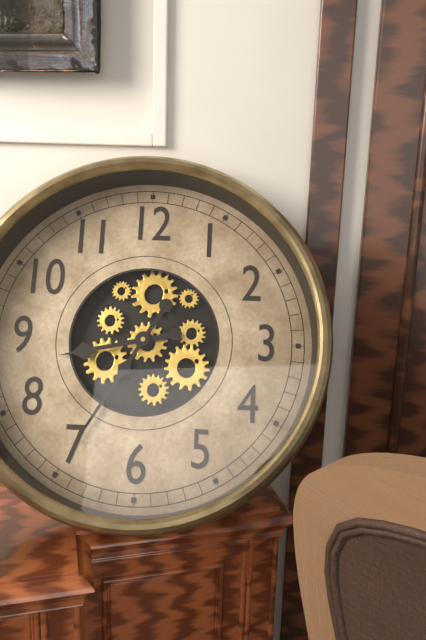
8:35
